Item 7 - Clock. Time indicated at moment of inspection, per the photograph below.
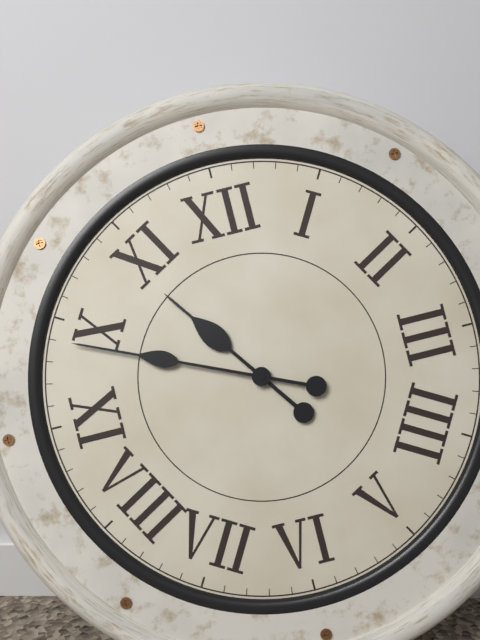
10:49
